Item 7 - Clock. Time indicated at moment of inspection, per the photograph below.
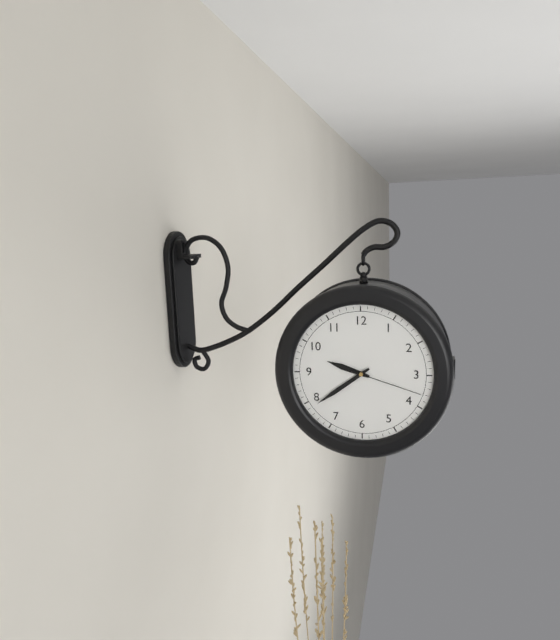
9:39:18
